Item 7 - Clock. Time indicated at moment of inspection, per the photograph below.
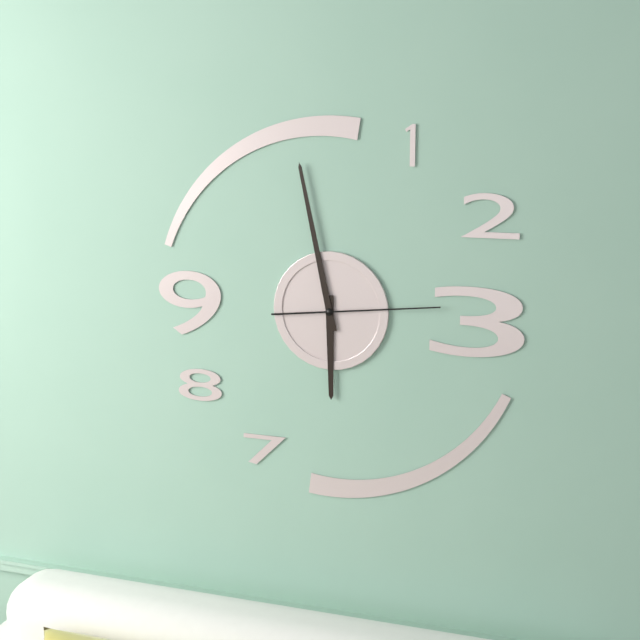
5:58:14
